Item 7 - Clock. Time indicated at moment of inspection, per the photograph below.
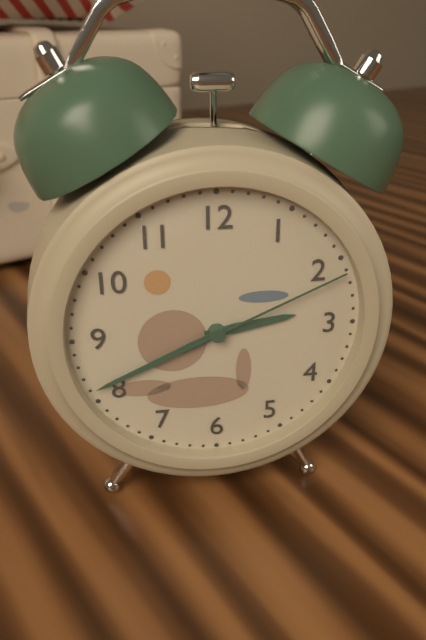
2:41:11
